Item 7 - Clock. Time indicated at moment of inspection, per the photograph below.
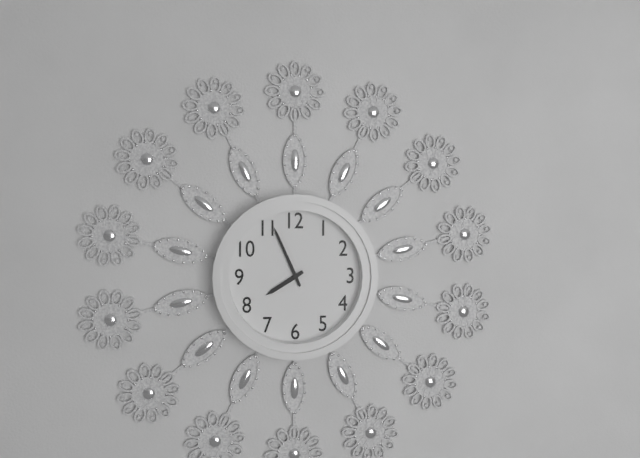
7:56
